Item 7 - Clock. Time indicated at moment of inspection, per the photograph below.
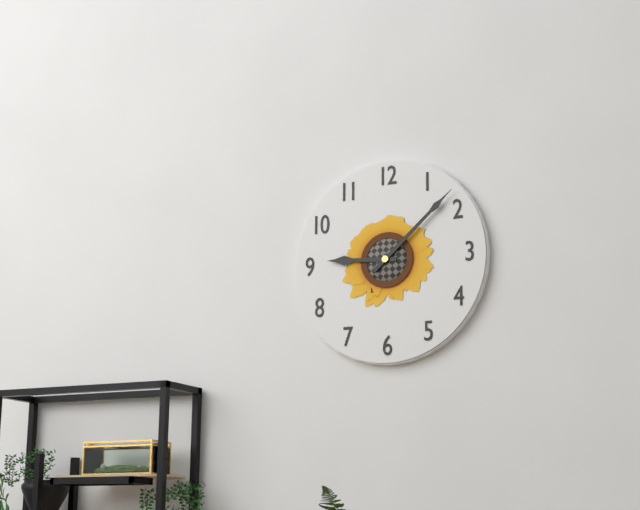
9:08
